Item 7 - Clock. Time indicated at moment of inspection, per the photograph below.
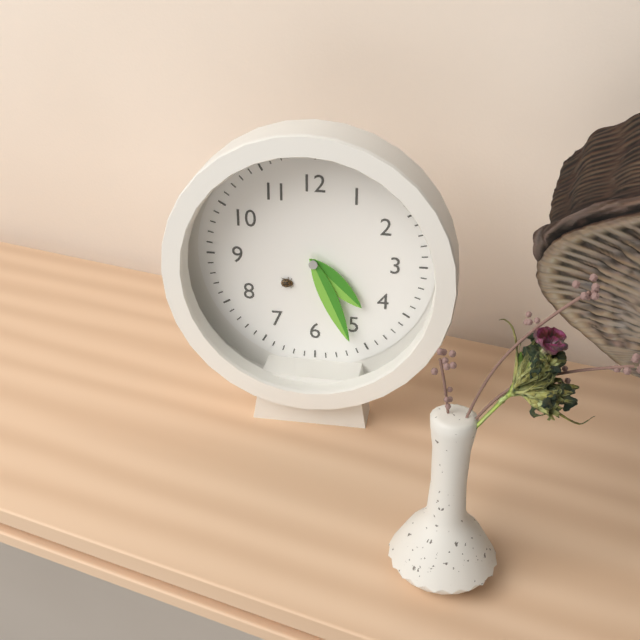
4:26
